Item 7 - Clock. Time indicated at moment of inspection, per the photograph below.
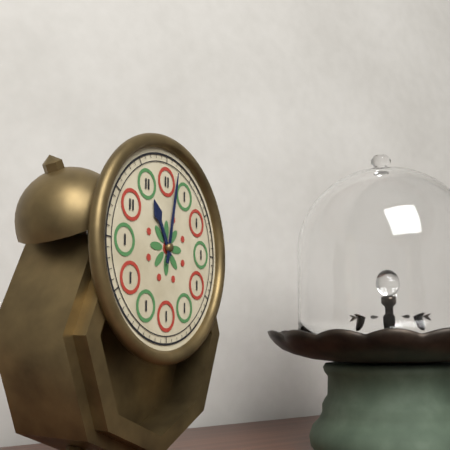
11:02
